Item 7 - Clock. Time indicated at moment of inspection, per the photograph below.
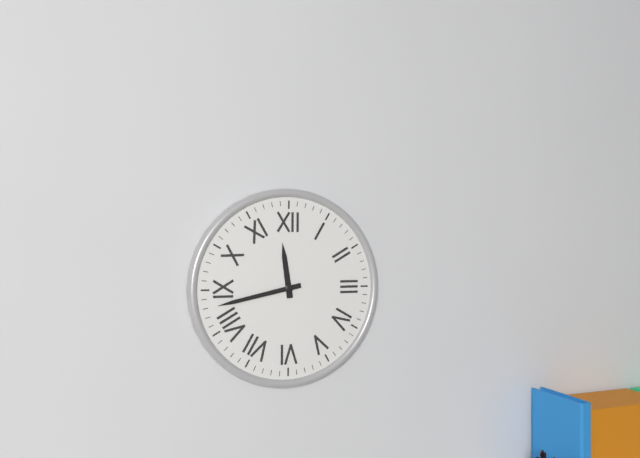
11:43
